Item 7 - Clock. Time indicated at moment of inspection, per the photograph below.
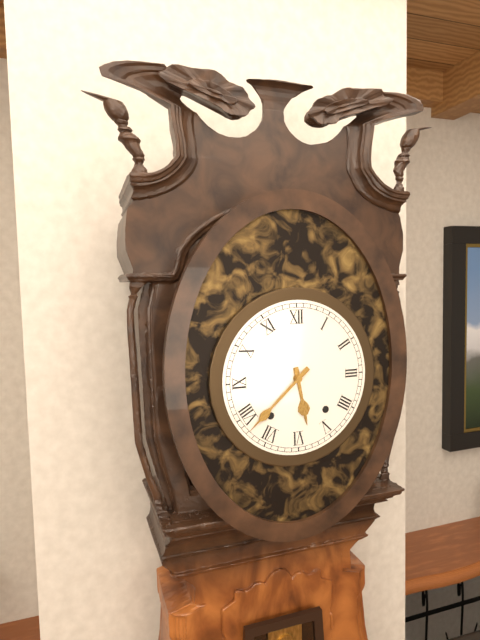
5:38
